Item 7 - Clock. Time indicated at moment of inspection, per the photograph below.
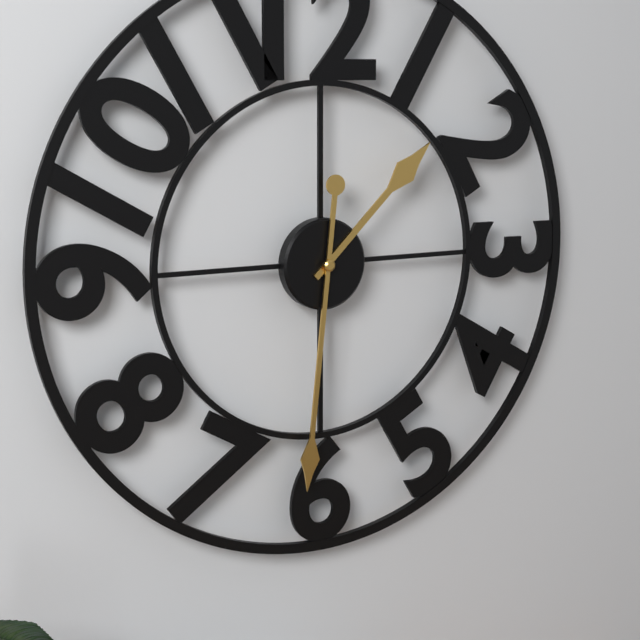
1:31
